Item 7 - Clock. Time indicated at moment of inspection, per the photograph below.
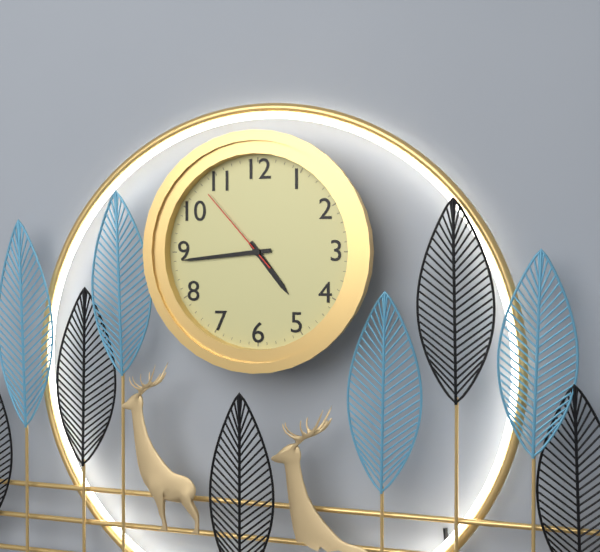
4:44:53
